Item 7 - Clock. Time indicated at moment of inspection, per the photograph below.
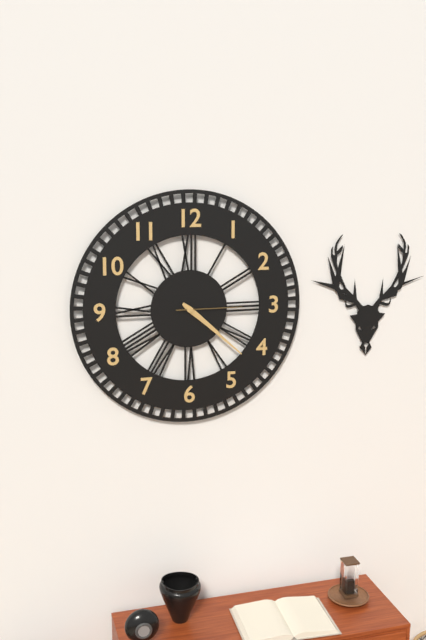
4:22:15
